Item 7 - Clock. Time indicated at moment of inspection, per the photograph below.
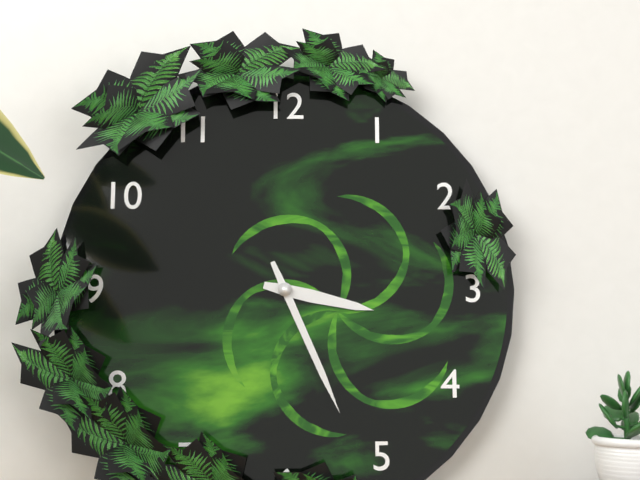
3:26
